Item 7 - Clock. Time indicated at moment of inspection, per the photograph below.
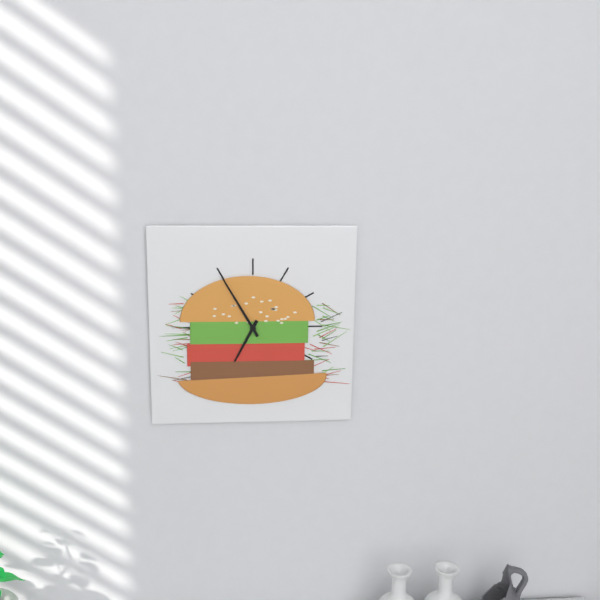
6:55
